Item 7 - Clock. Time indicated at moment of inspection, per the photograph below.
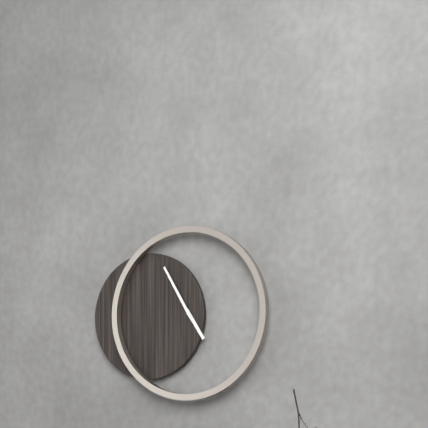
4:55
